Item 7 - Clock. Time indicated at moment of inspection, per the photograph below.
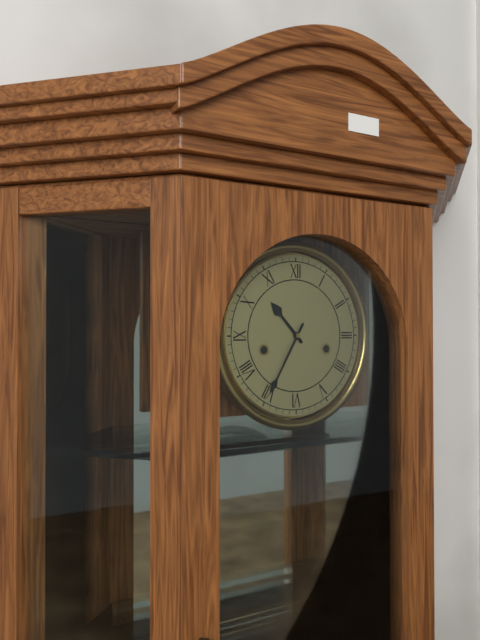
10:35
